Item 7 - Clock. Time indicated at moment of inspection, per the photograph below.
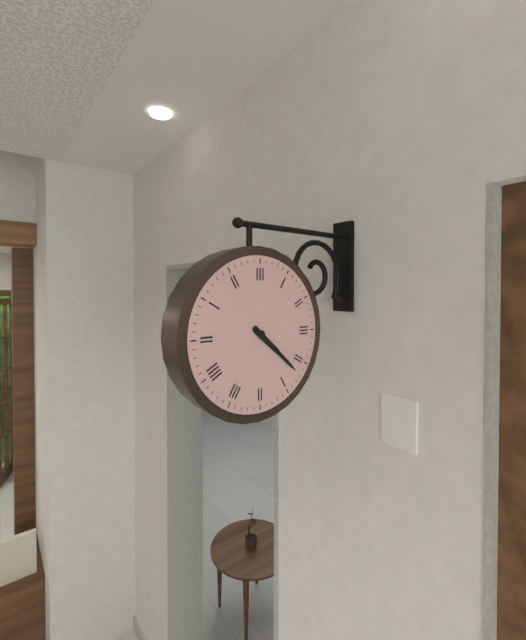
4:22
